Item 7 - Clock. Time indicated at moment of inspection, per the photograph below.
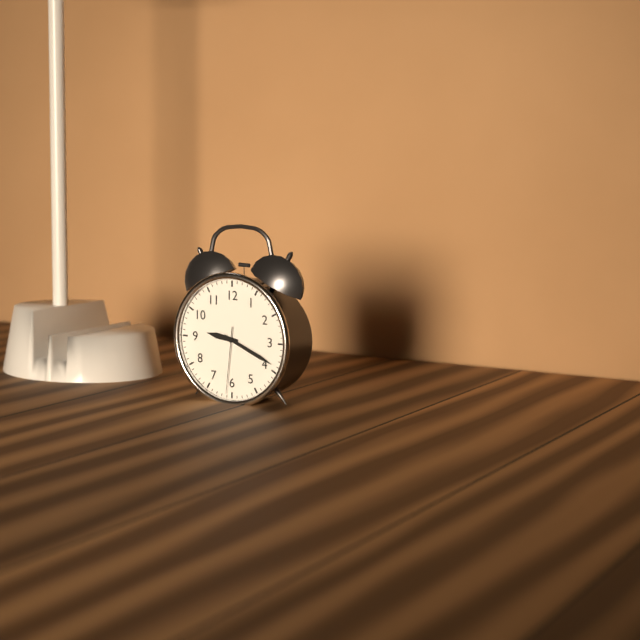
9:19:31
